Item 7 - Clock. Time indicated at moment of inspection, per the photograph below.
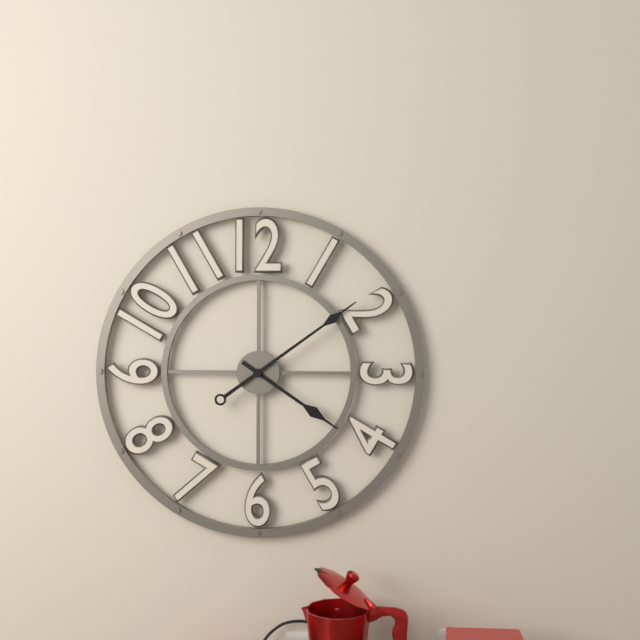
4:09
